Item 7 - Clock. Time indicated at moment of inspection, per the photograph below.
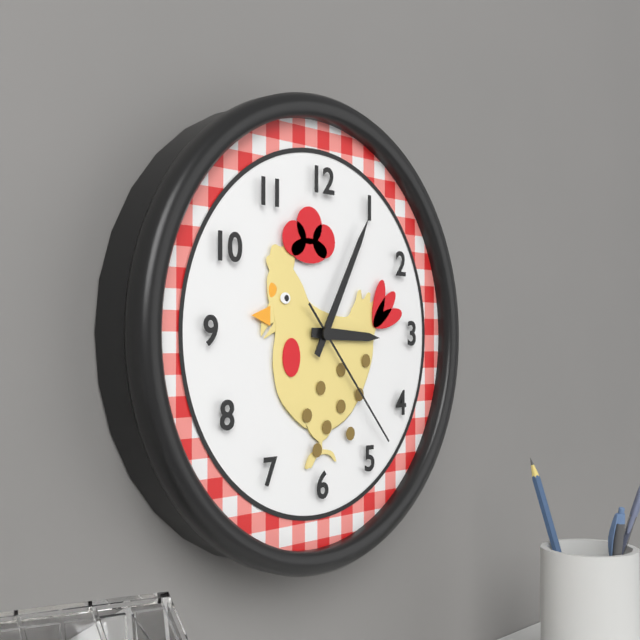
3:05:23
